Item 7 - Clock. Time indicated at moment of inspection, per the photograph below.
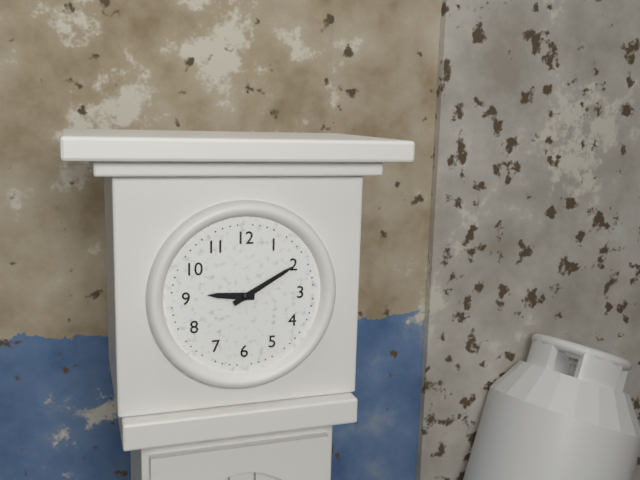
9:10
